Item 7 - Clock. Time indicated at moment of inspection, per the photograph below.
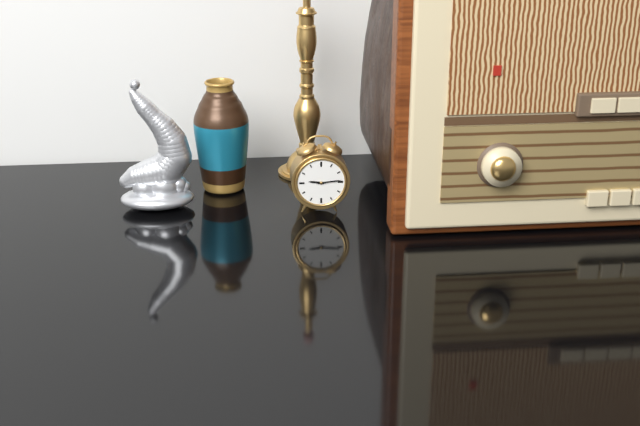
9:14
